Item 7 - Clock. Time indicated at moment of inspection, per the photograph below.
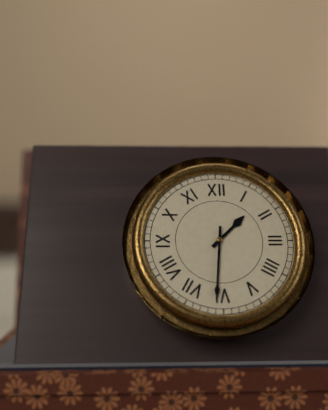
1:31
